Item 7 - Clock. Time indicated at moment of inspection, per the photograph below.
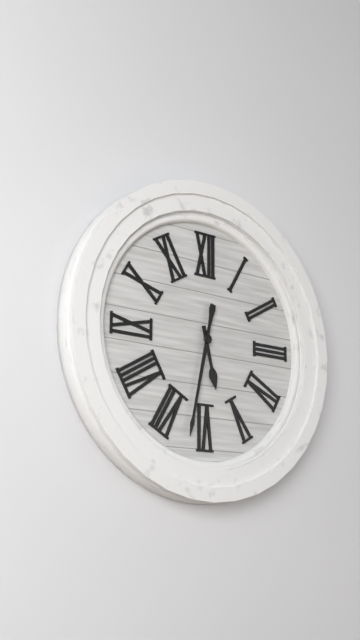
5:32
